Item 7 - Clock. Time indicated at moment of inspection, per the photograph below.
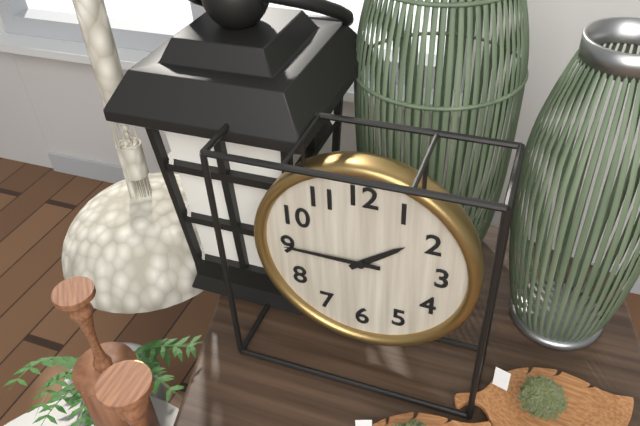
1:45
